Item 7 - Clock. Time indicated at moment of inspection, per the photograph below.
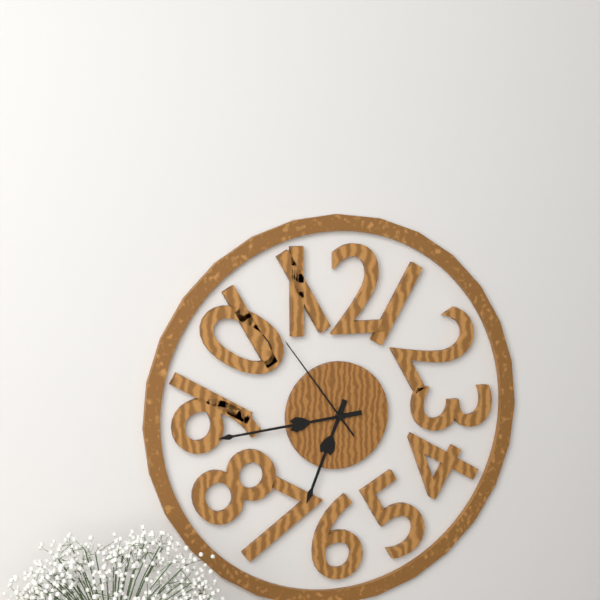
6:44:54
